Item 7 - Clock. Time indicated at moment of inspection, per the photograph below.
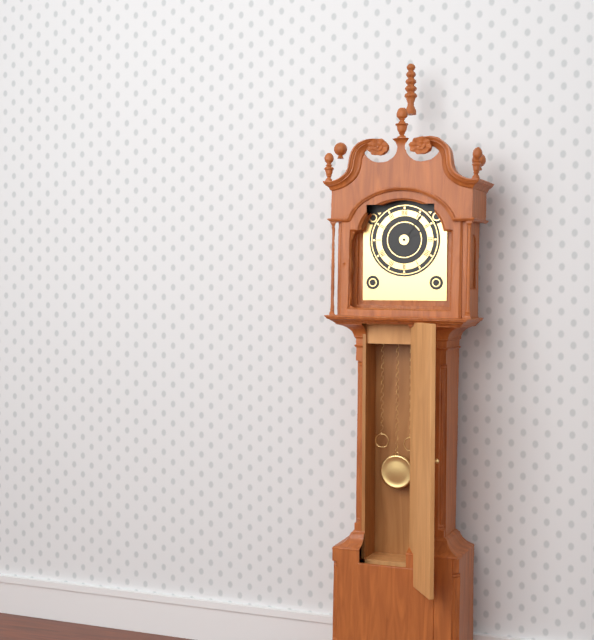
2:06
